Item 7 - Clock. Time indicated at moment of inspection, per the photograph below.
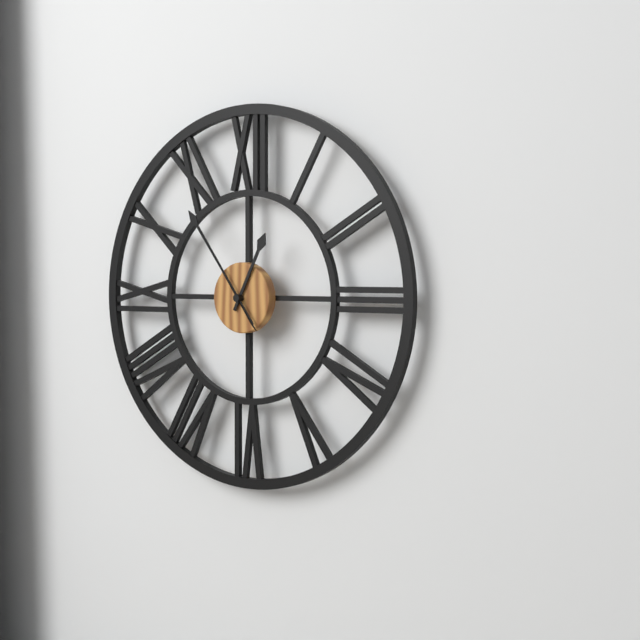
12:54
